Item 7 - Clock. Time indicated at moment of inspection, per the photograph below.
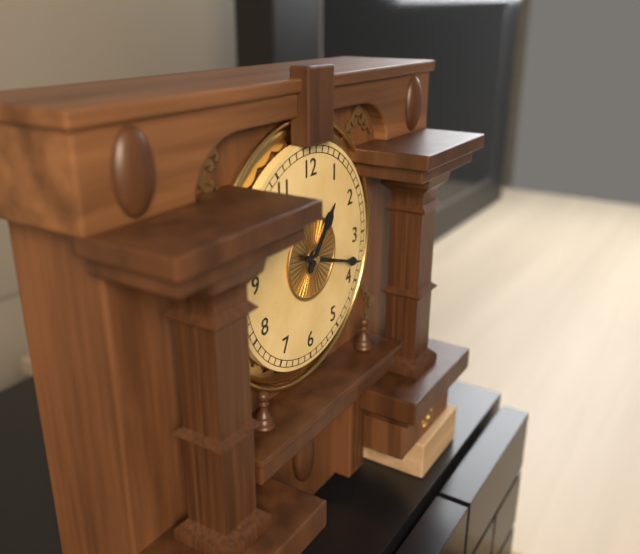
1:18
